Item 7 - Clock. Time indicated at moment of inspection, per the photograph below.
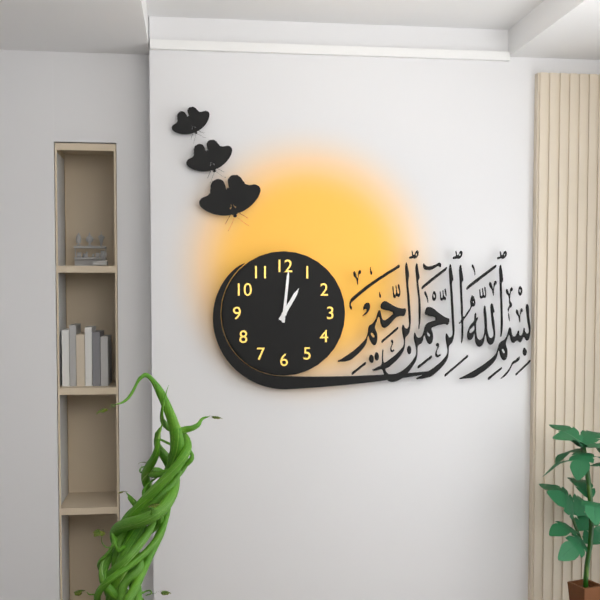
1:01
